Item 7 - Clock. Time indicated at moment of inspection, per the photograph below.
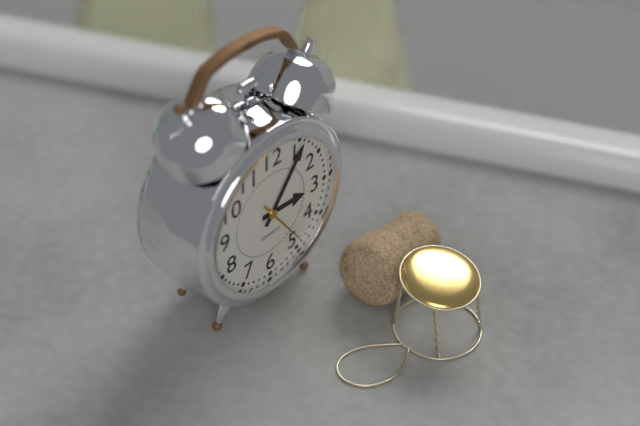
3:06:24
